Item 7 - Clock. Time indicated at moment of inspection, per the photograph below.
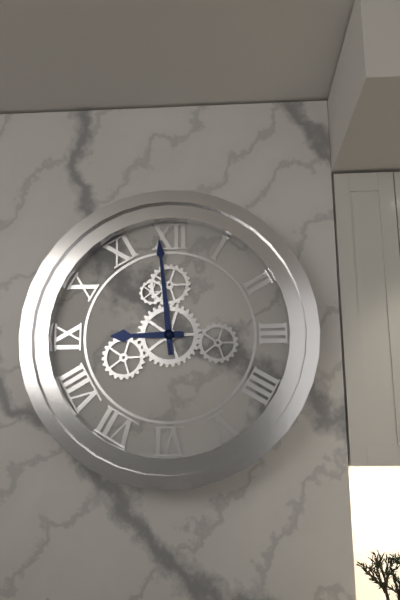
8:59
